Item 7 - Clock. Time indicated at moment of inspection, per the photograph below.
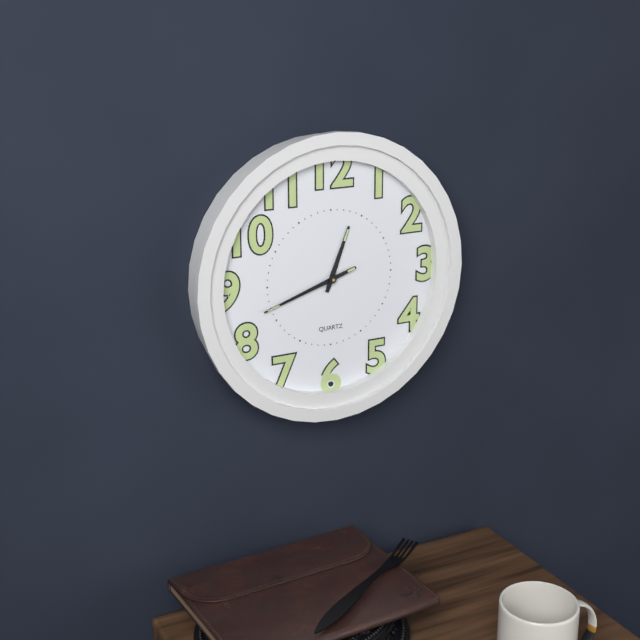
12:42
